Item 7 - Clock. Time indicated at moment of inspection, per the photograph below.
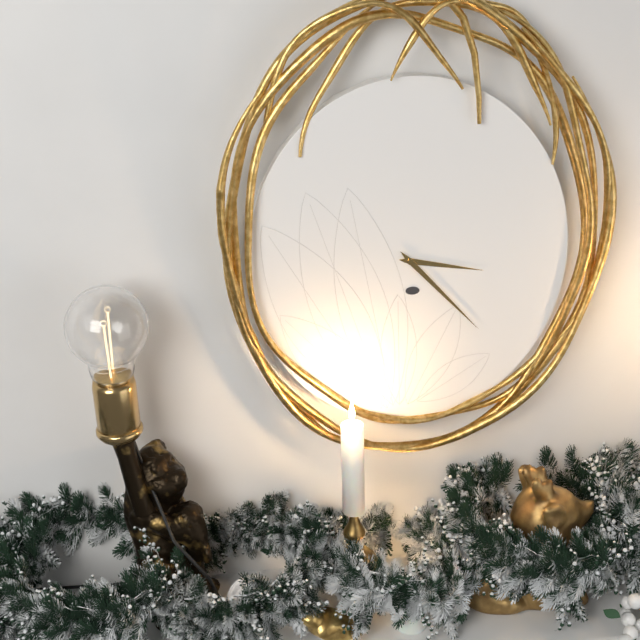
3:23
